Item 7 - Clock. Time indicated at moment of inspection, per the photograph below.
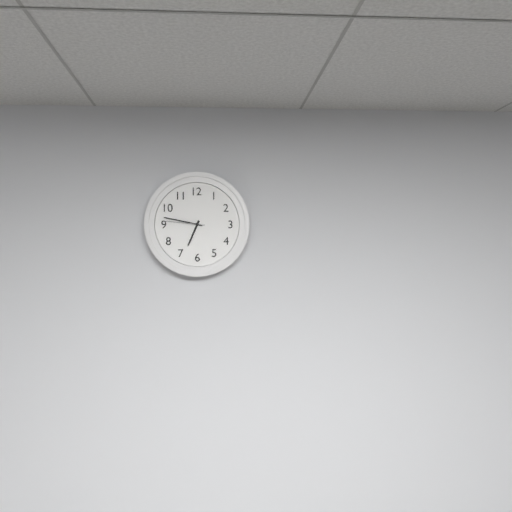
6:47
